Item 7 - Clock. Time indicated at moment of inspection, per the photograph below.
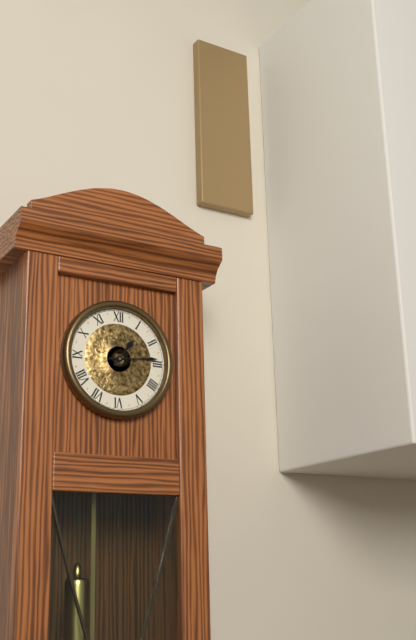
1:14
